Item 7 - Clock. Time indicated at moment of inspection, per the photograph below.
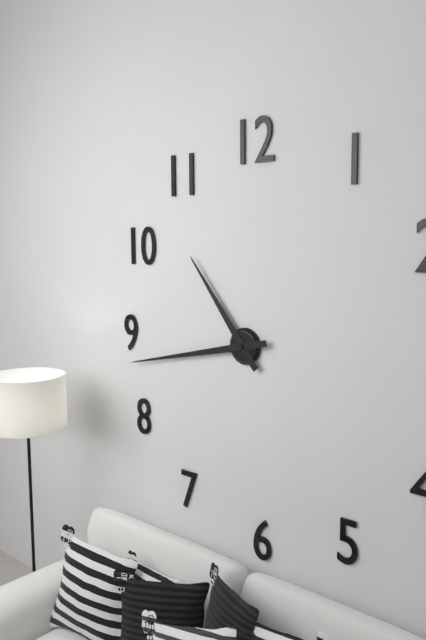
10:43
